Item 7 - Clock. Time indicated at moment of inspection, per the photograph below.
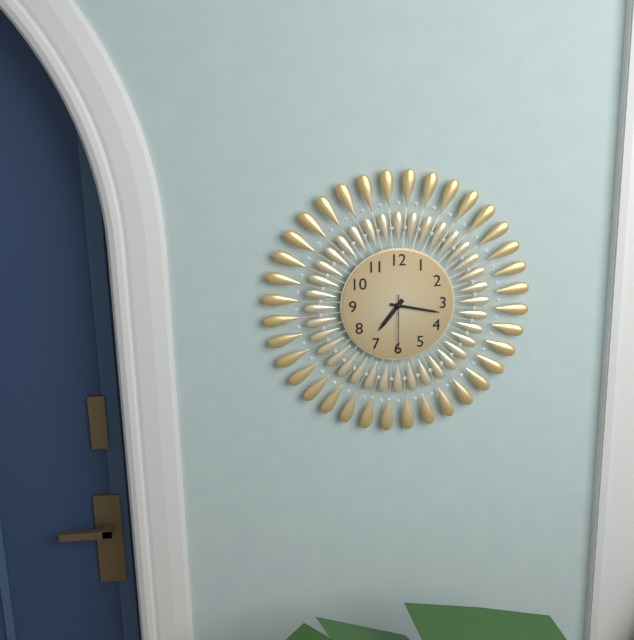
7:17:30
